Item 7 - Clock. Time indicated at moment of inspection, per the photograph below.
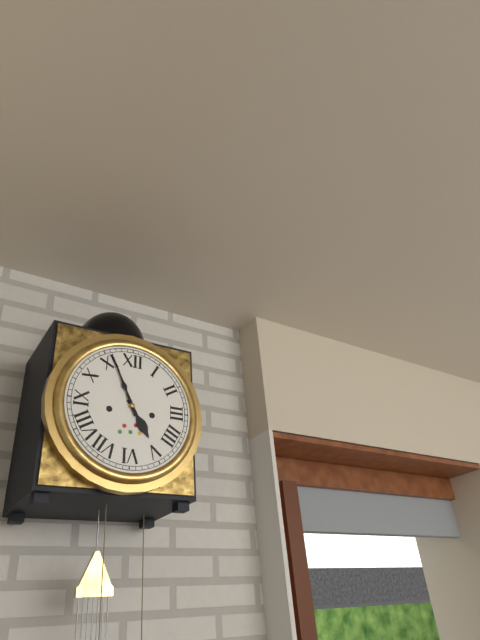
4:56
